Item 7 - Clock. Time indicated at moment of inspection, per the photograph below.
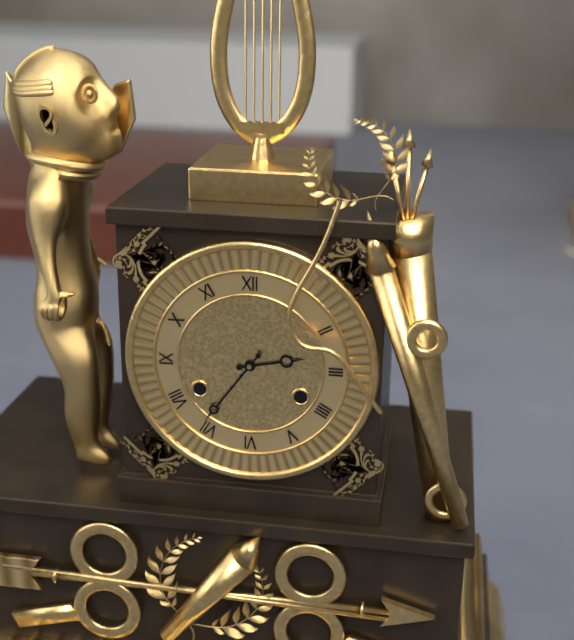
2:36
